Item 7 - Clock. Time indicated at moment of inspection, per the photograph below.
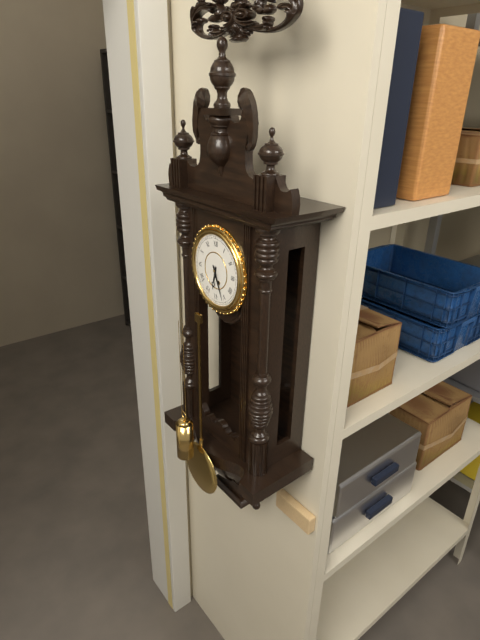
6:26
